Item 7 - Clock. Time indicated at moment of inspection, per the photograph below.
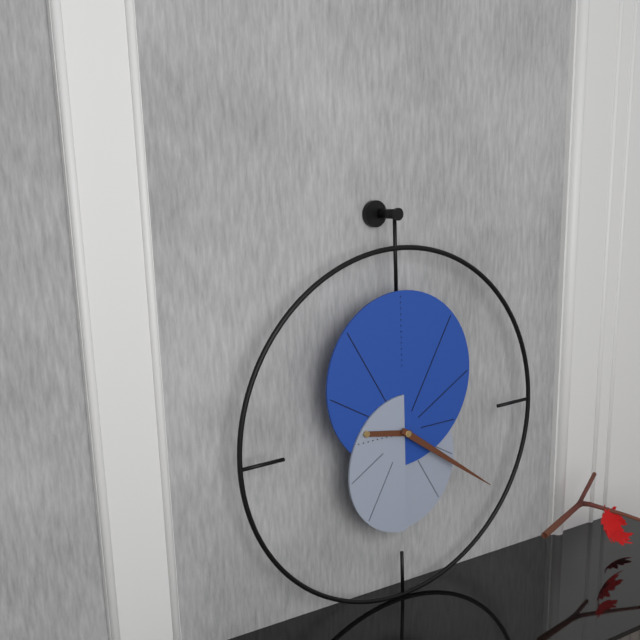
9:21
